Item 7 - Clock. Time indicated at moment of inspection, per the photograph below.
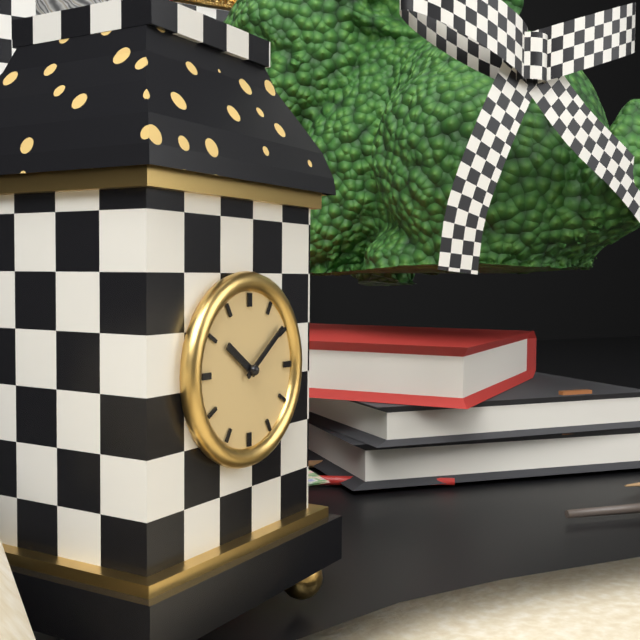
10:09
